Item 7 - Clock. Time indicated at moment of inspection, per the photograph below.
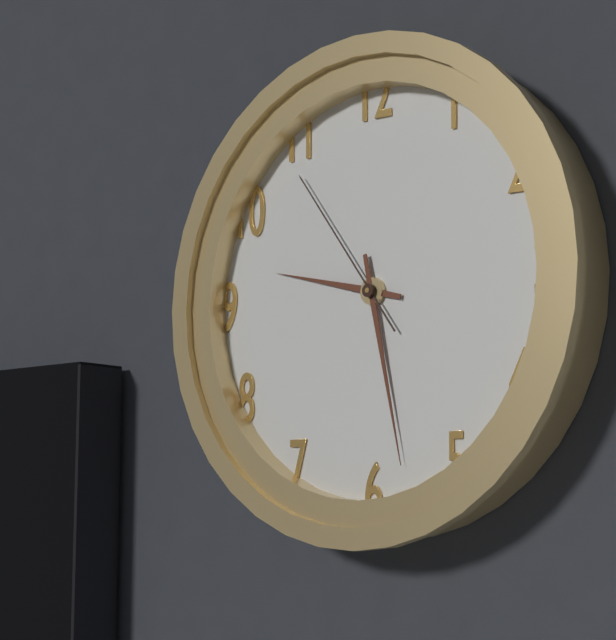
9:28:54
